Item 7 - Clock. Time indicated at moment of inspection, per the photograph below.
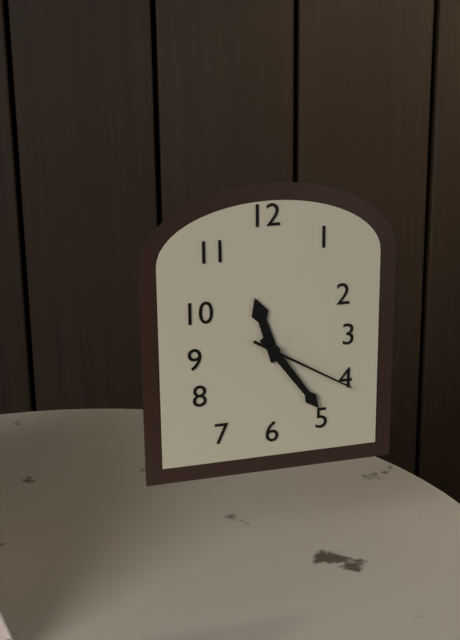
11:24:20
